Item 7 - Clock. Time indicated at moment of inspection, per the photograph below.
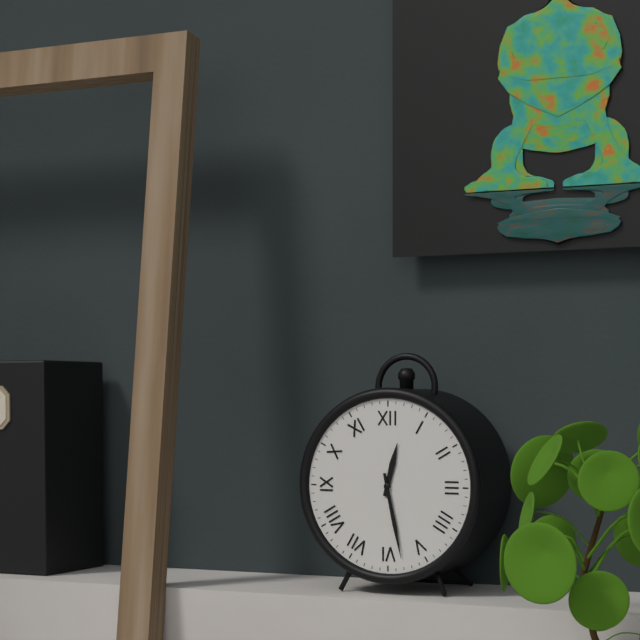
12:28
